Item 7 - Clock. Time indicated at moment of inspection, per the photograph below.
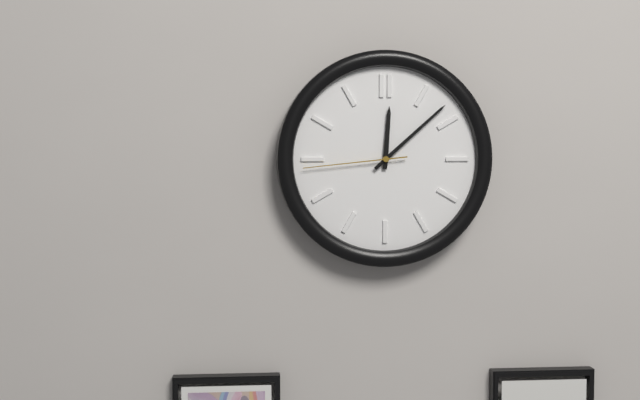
12:08:44
